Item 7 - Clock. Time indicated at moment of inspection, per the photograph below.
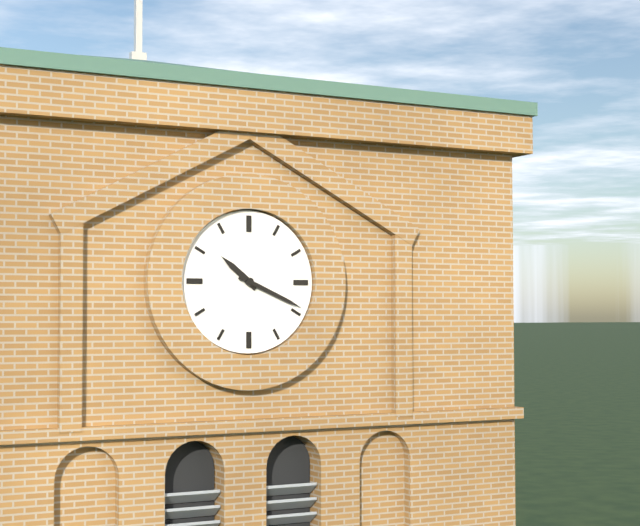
10:19
